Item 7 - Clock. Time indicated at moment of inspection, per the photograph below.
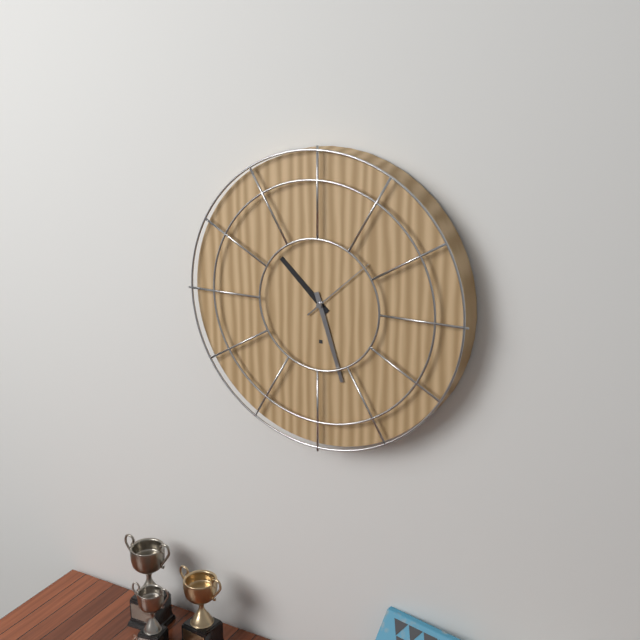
10:27:08
